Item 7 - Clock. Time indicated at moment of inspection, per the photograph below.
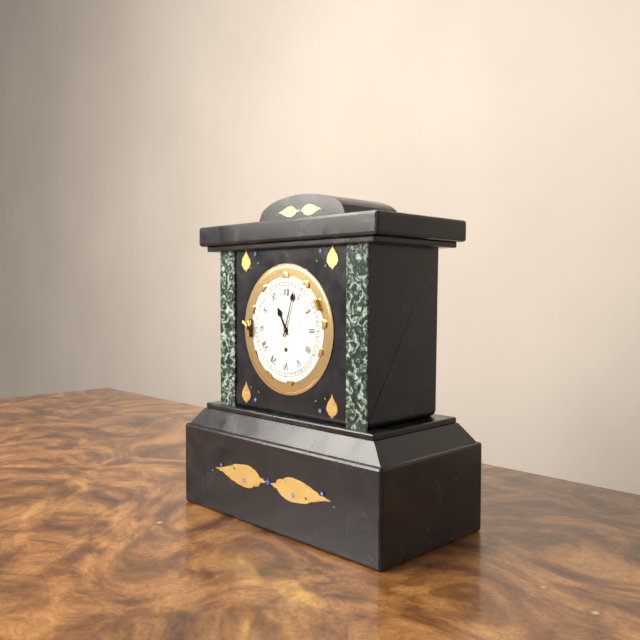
11:03
